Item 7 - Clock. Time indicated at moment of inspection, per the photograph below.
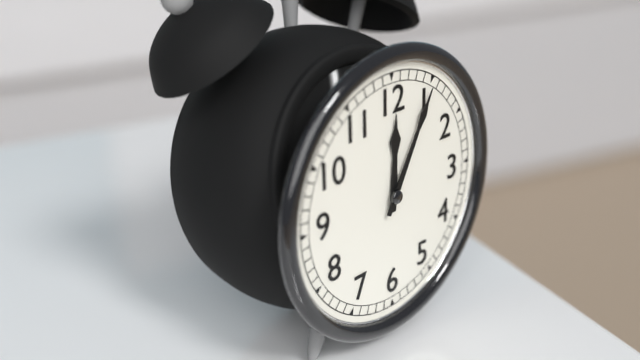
12:05
